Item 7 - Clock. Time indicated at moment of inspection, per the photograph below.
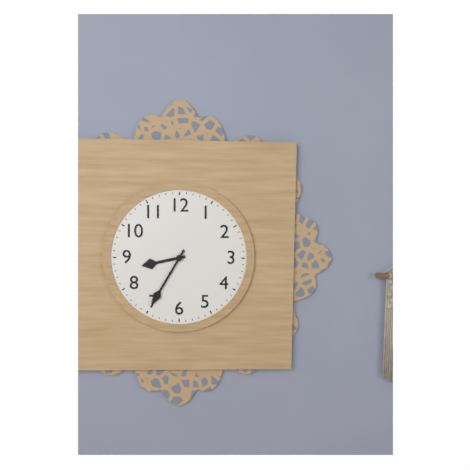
8:35
